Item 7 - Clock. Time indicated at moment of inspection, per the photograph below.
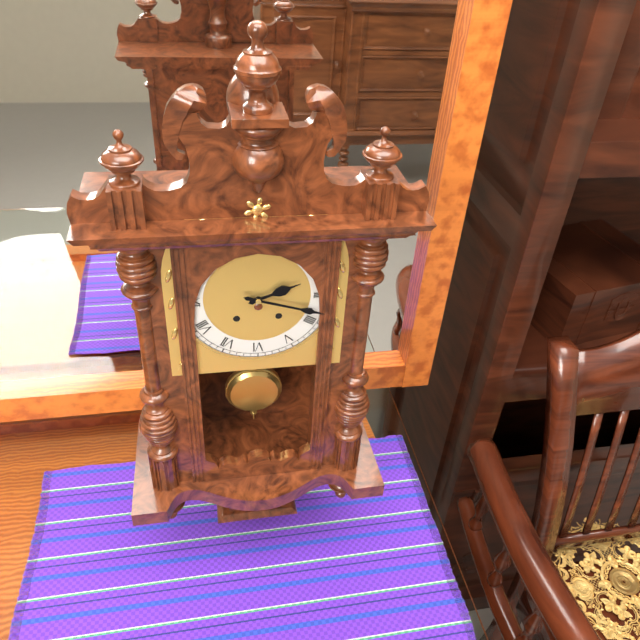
2:18
